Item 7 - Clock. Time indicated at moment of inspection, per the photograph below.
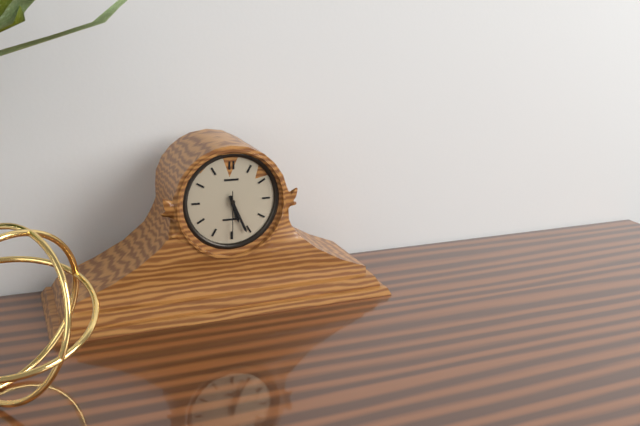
5:26
